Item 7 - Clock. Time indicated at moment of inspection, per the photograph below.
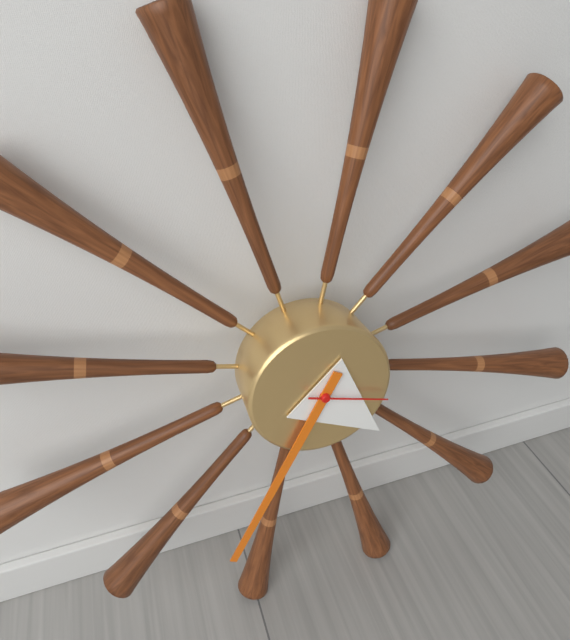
4:35:18
